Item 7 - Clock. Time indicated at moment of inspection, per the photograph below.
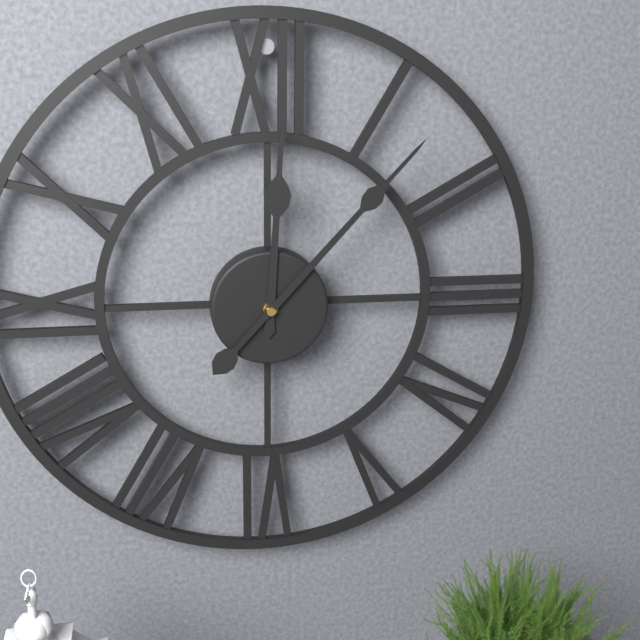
12:07
